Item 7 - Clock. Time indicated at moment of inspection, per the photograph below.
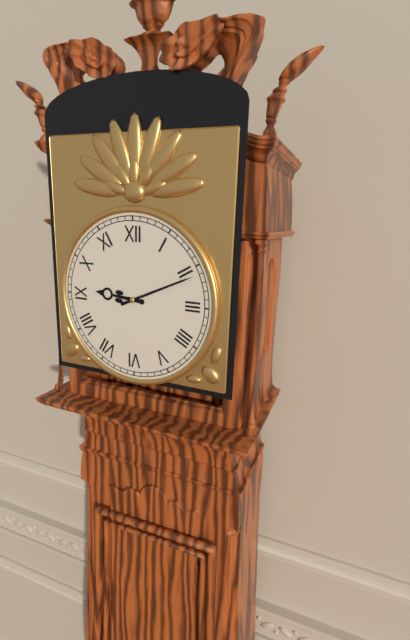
9:11
